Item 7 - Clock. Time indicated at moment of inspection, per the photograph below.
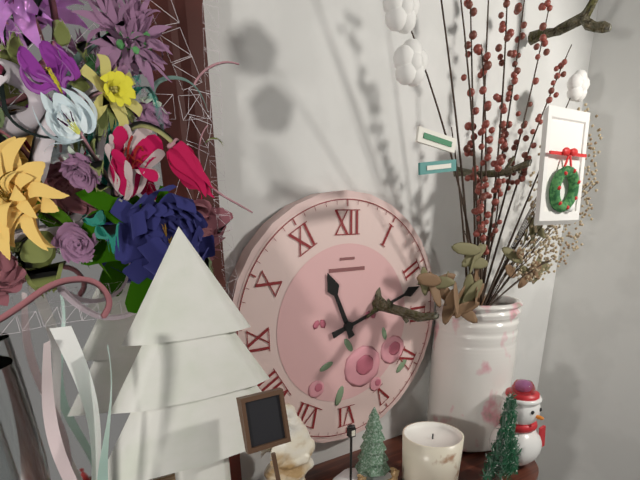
11:12
